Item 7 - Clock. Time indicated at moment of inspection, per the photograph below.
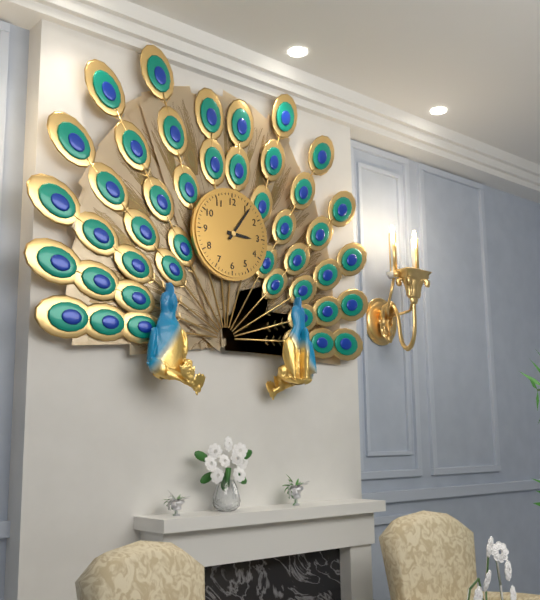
3:06
